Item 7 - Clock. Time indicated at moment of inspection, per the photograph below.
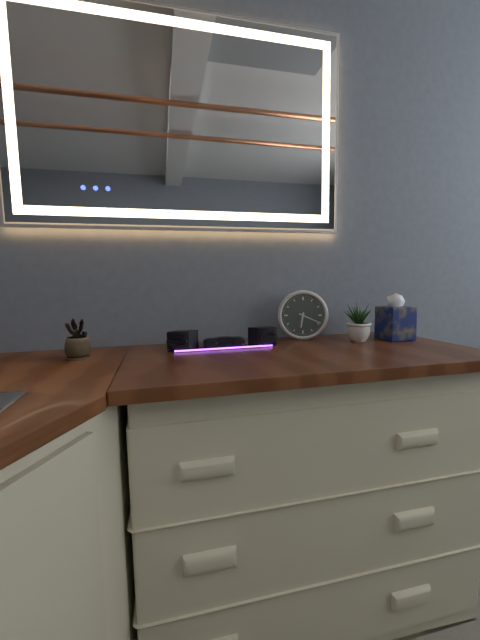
6:19
